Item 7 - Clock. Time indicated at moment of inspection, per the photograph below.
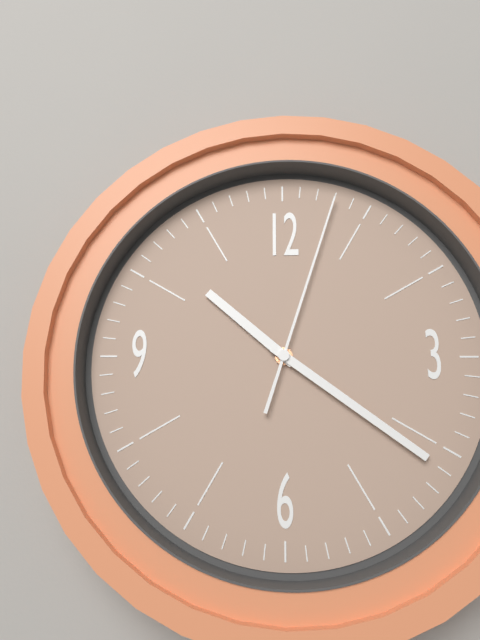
10:21:03
